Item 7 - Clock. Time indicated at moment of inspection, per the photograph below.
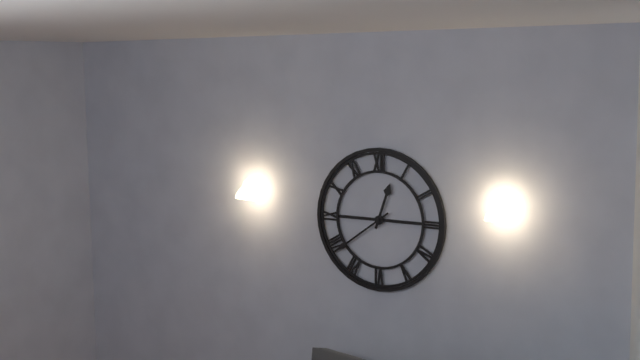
12:39
